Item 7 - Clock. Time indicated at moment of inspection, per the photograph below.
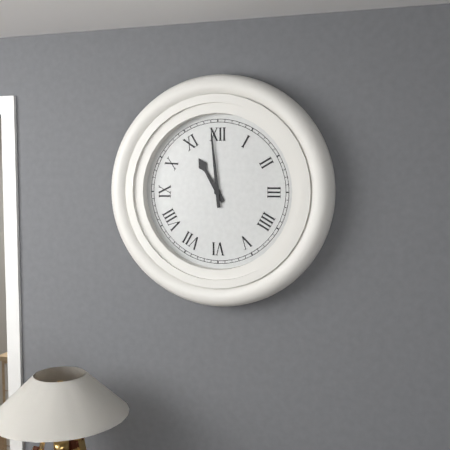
10:59
